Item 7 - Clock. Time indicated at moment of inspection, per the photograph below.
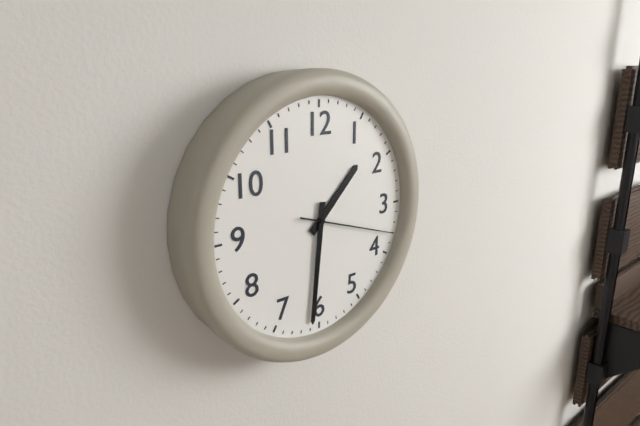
1:31:18
